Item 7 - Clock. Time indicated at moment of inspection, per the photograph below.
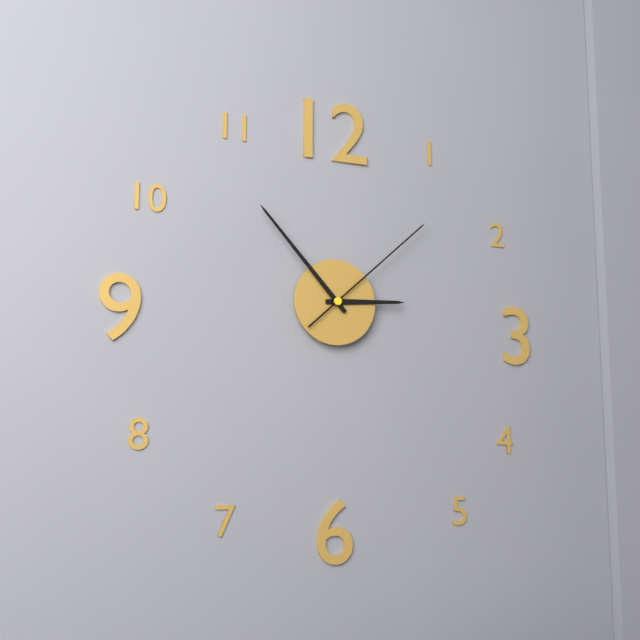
2:53:08
